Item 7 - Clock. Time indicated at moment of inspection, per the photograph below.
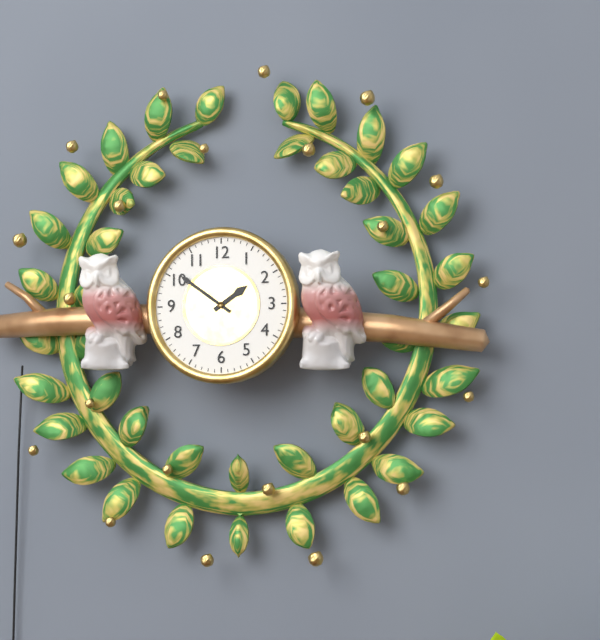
1:51
